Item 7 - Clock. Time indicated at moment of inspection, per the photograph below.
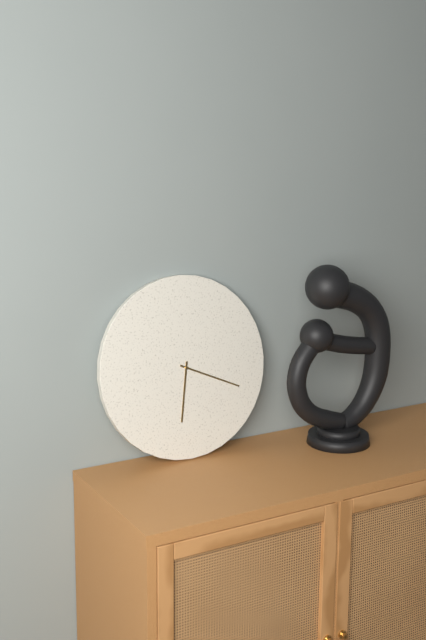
6:19
